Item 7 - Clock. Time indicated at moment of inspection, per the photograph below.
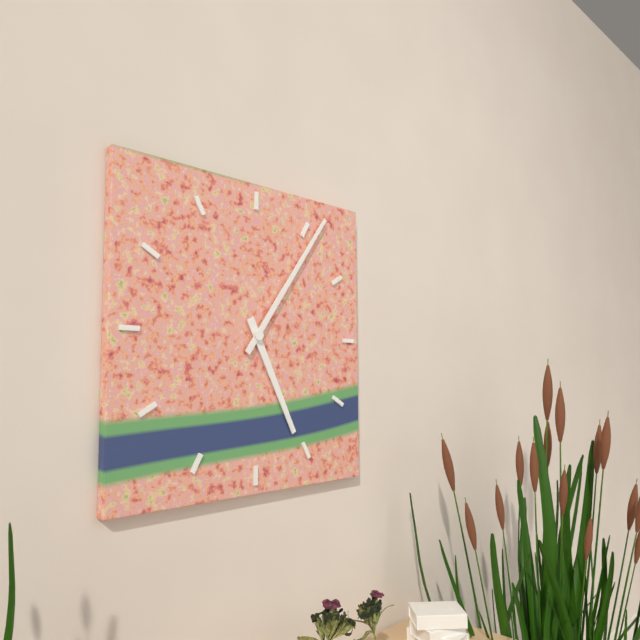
5:06
